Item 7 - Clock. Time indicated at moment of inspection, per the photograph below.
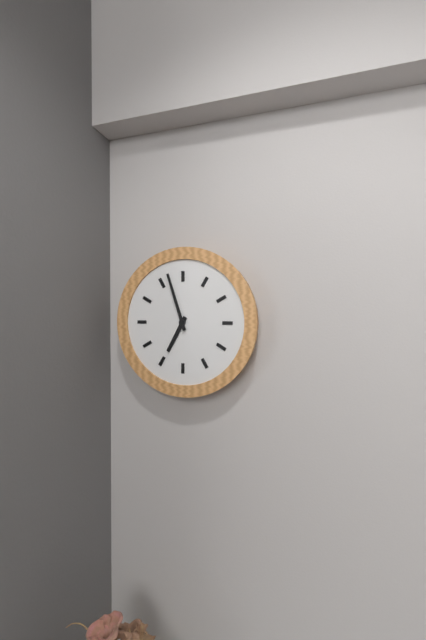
6:57
